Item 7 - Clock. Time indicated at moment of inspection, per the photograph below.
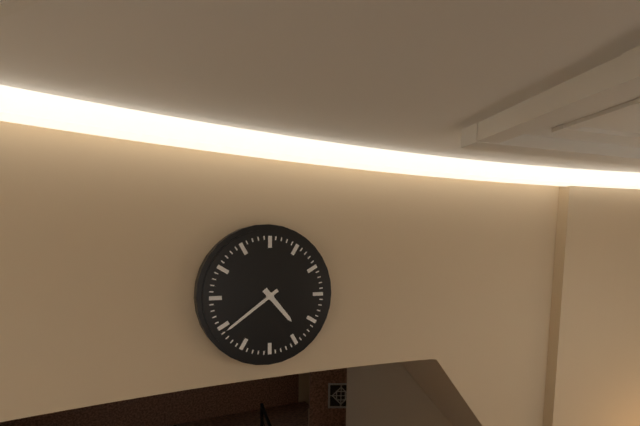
4:39
